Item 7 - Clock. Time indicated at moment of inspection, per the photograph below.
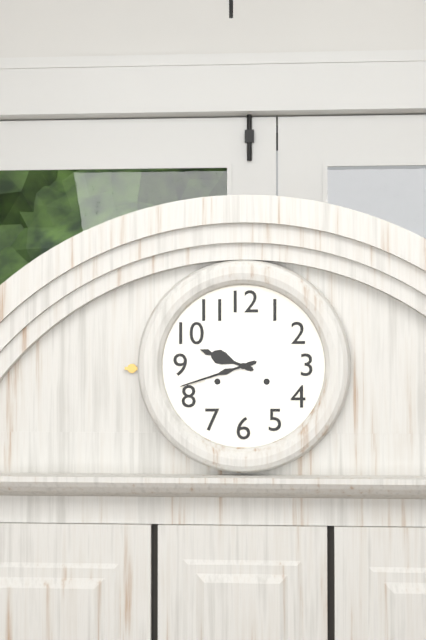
9:42
